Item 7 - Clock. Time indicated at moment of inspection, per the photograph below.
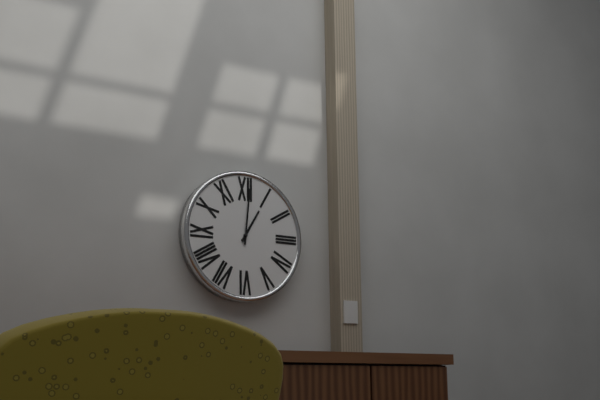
1:01
